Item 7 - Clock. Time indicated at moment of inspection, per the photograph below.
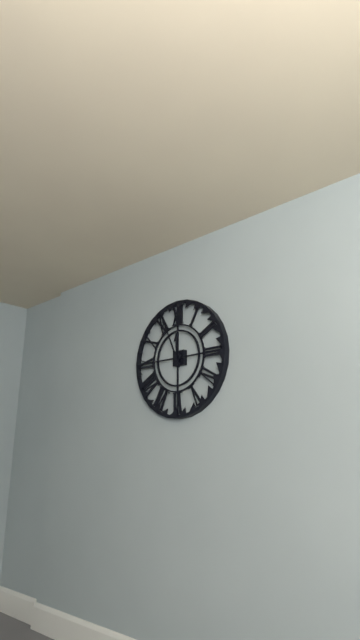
11:56
